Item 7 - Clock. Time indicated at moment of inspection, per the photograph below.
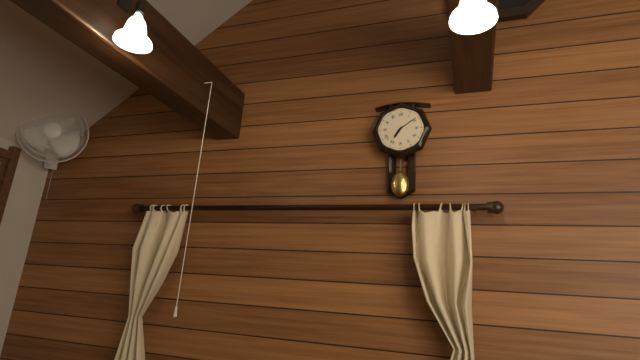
7:09
